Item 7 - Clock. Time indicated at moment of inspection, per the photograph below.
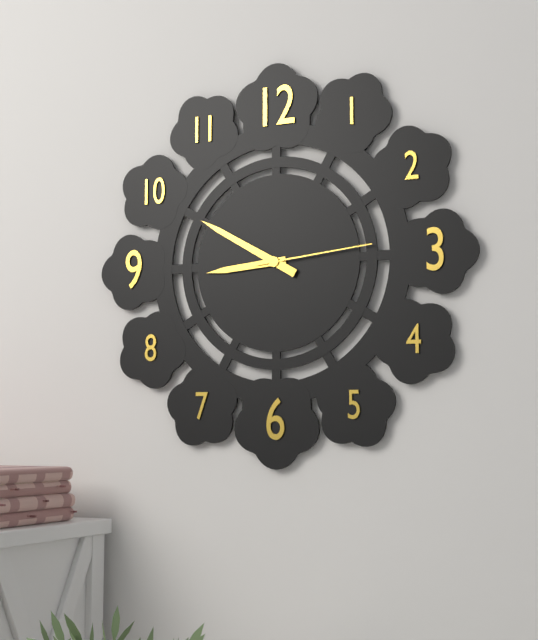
8:50:14
